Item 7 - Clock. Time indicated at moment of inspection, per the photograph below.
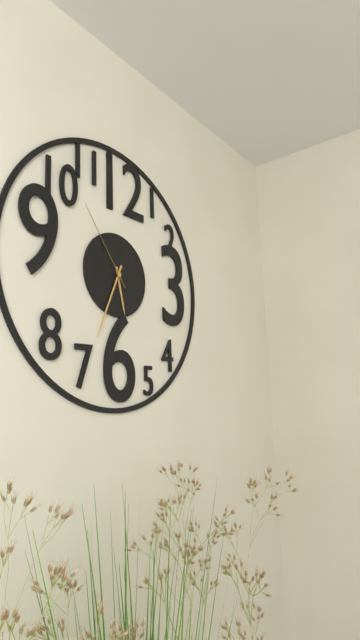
5:34:54
